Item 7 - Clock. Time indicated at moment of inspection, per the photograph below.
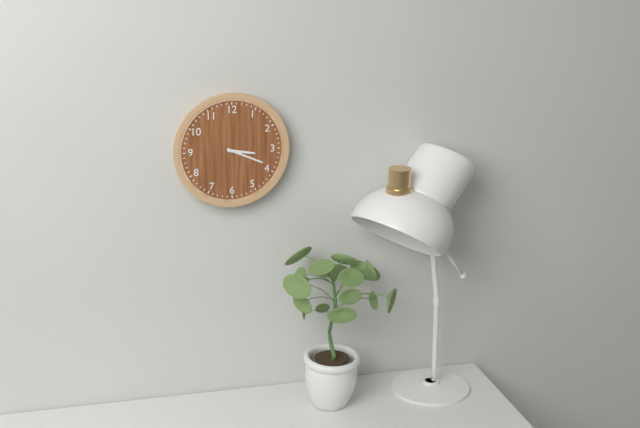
3:19
